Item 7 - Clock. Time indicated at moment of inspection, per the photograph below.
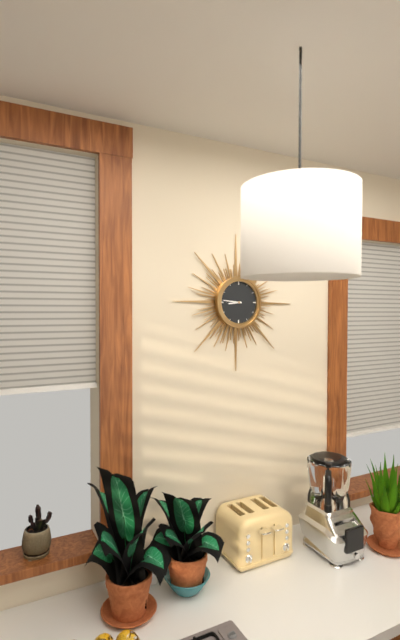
8:46
